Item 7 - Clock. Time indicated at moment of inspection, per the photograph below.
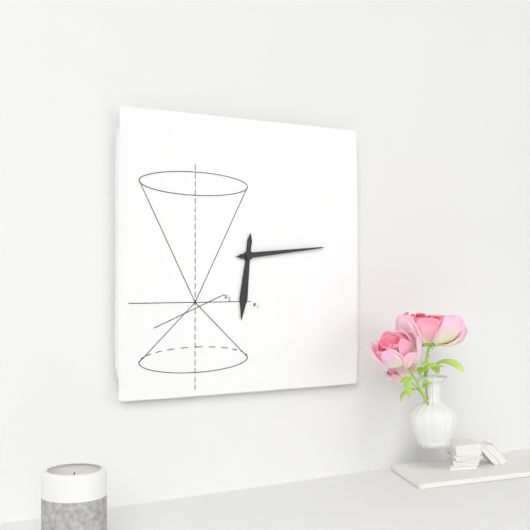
6:14
